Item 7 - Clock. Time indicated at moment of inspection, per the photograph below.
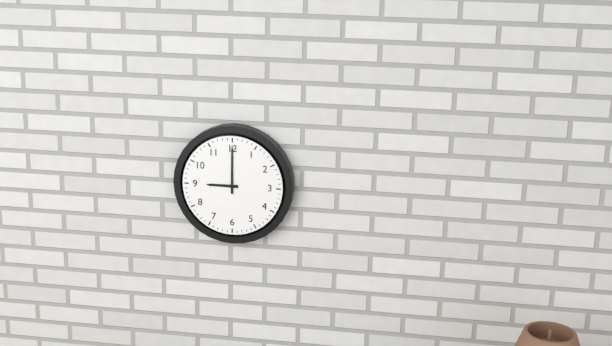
9:00
